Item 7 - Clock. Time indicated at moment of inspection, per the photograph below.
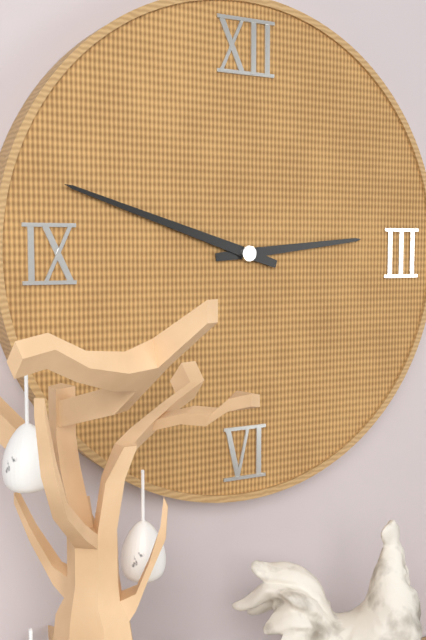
2:48
